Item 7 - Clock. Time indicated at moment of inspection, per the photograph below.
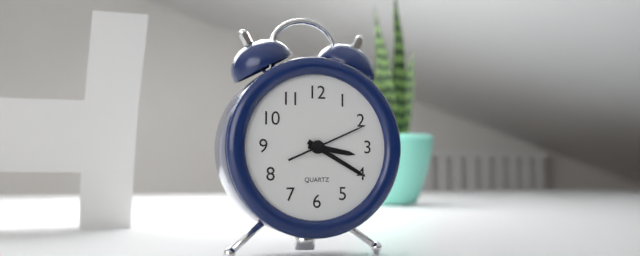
3:20:11
